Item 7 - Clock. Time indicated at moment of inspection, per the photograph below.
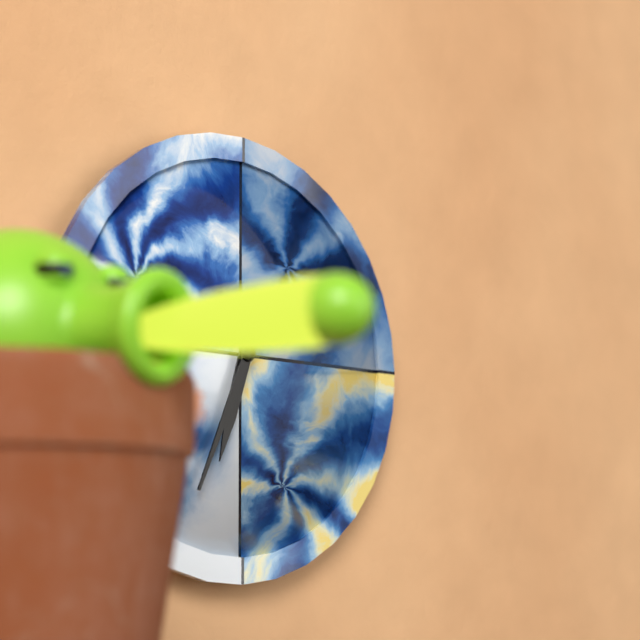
6:34
